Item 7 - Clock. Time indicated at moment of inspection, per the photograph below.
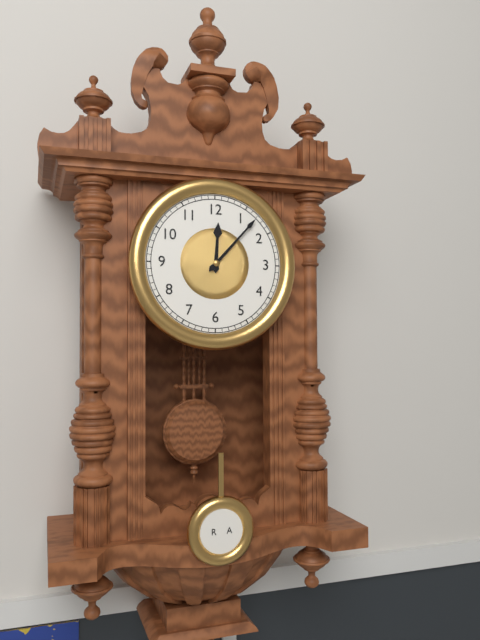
12:07
